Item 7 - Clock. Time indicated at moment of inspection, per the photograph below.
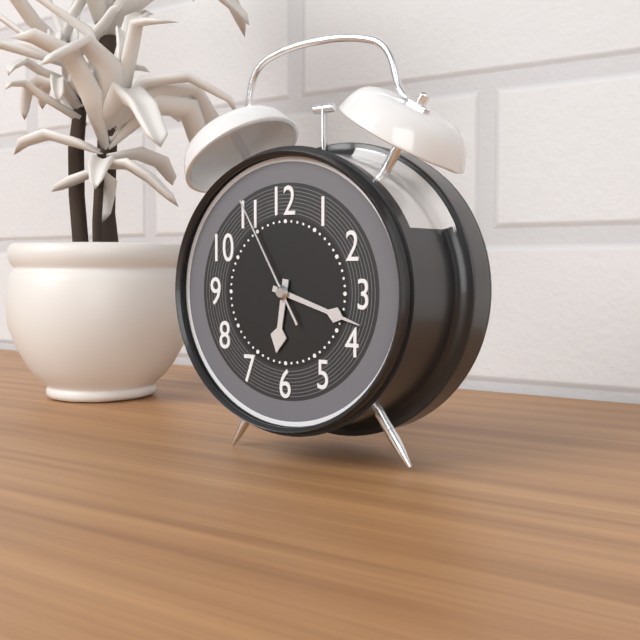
6:18:55
